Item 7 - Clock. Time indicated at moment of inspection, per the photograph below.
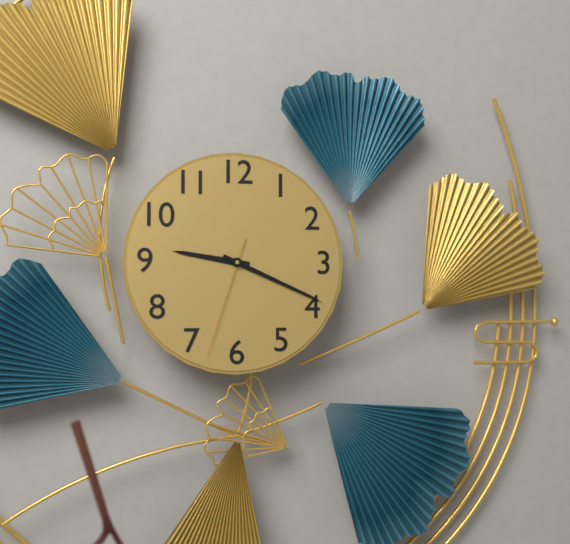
9:19:33
